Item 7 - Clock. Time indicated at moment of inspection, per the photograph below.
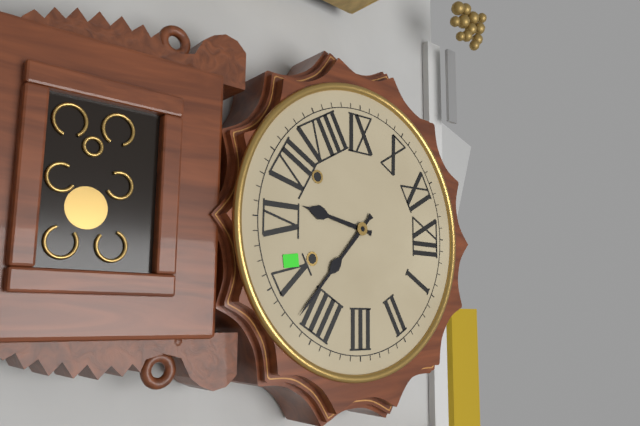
6:22
